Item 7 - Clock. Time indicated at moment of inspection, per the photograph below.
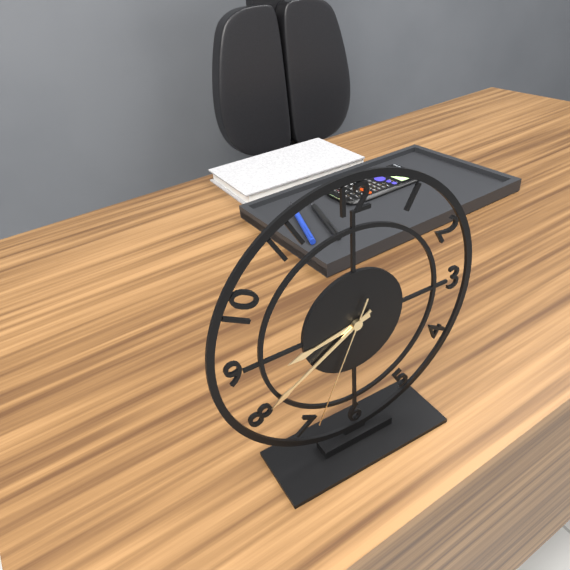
8:40:34
